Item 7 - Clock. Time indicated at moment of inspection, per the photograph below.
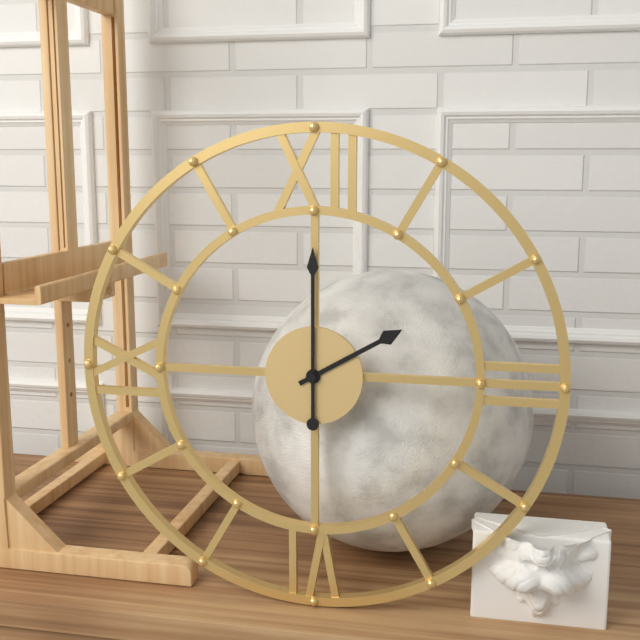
2:00
